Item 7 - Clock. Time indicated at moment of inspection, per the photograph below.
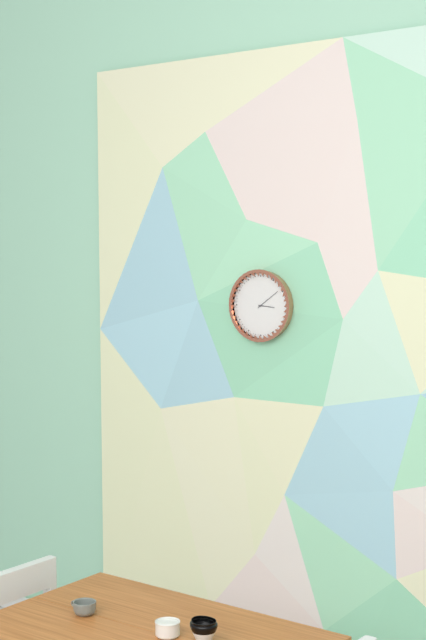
3:09
